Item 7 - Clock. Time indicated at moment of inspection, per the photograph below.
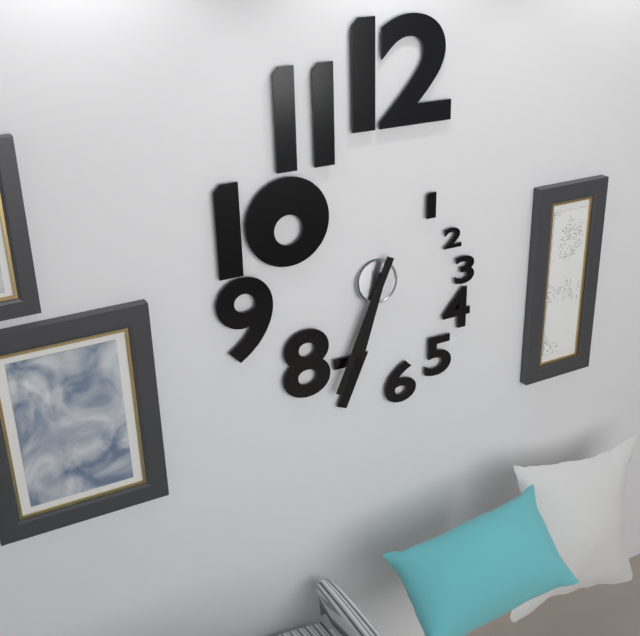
6:34
